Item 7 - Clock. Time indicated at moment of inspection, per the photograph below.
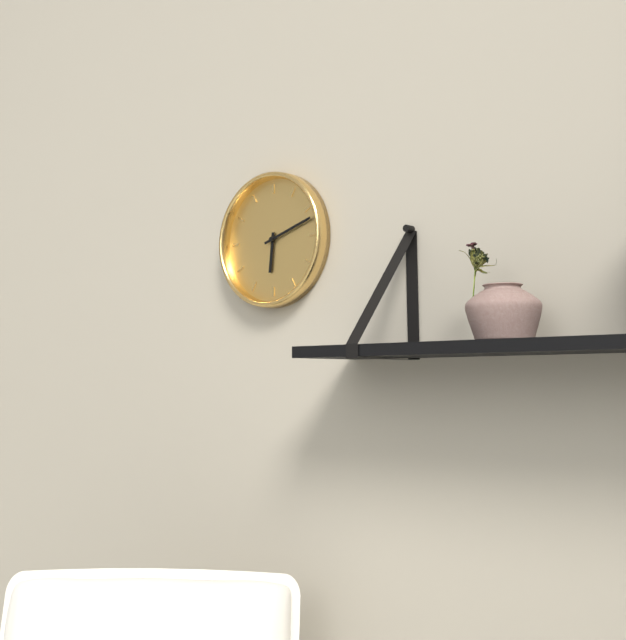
6:12
